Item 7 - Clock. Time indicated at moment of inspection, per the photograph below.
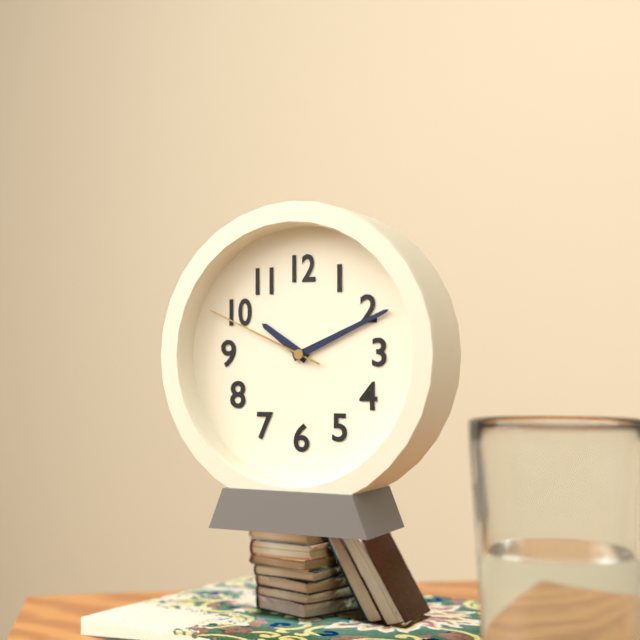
10:11:49
